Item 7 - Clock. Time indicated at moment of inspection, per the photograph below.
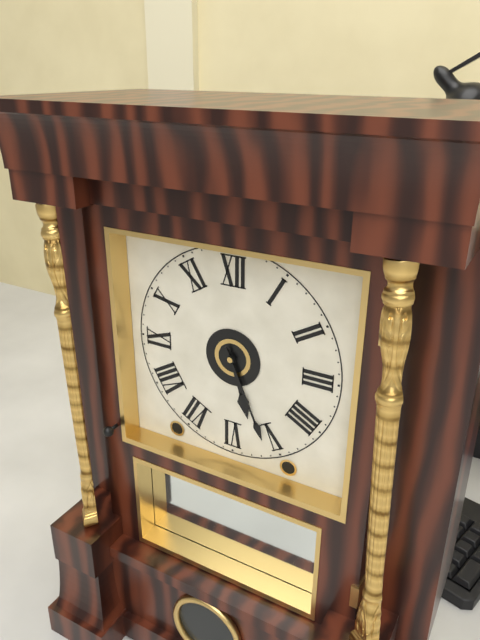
5:26
